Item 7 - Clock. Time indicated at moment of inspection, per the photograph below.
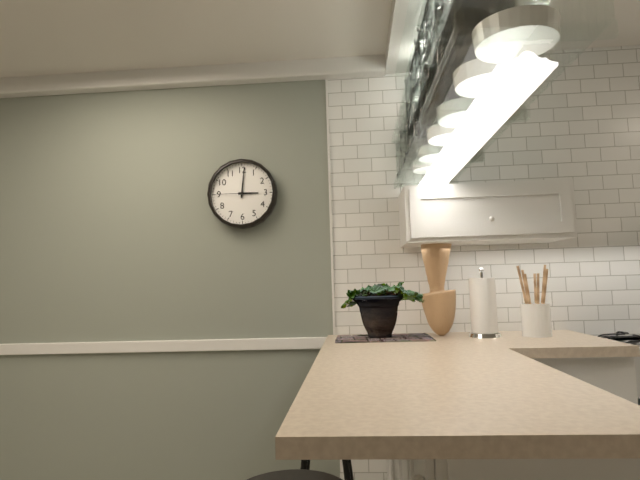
3:01
